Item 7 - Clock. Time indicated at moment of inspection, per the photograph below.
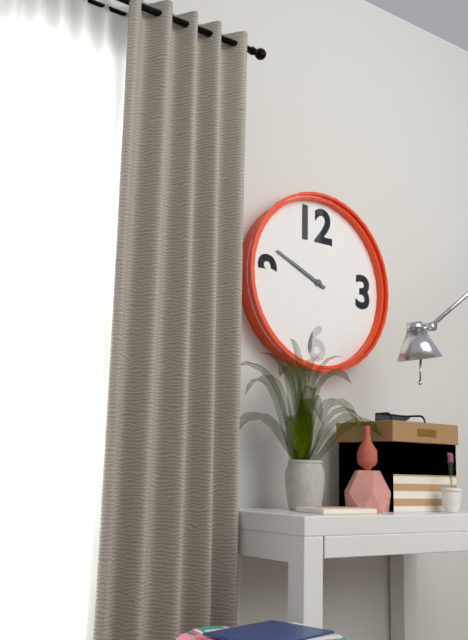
9:49
